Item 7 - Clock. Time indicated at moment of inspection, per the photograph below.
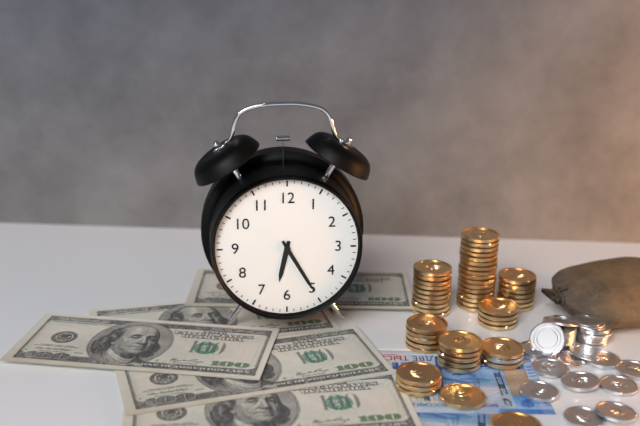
6:25
